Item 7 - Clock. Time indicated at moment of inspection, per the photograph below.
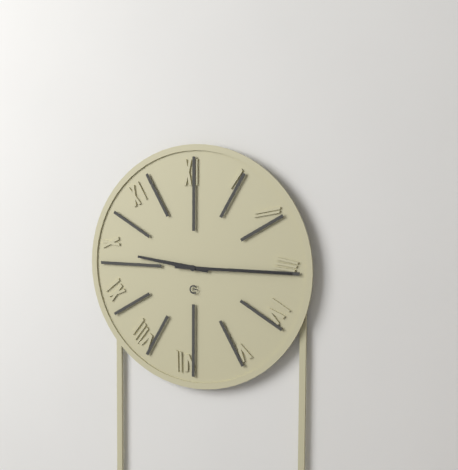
9:15
